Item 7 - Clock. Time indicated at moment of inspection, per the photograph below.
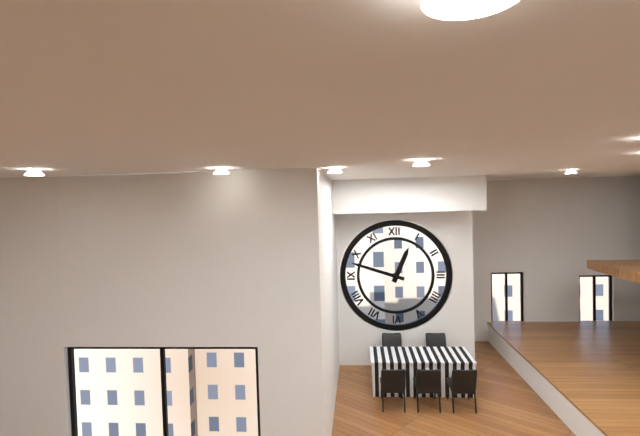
12:48
